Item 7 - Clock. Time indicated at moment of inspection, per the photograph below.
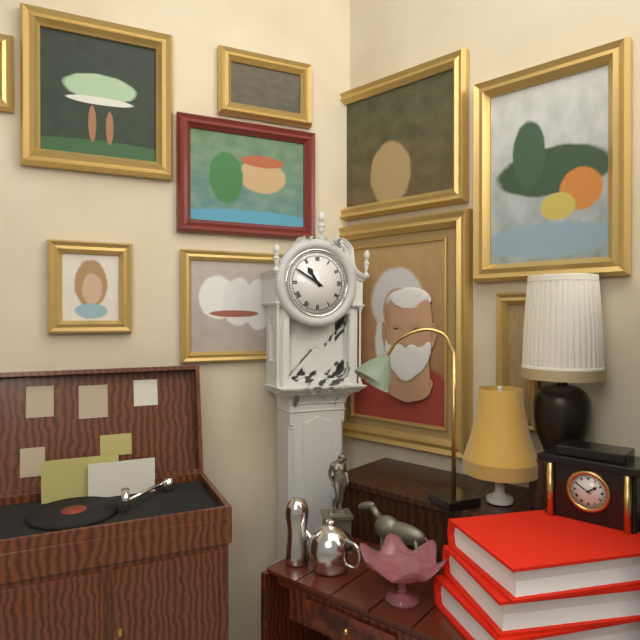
10:50
